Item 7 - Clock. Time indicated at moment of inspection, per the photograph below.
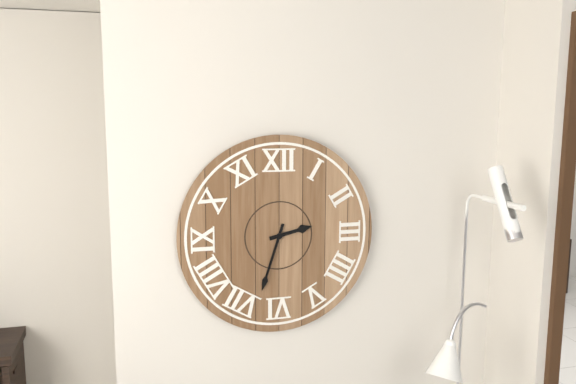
2:33
